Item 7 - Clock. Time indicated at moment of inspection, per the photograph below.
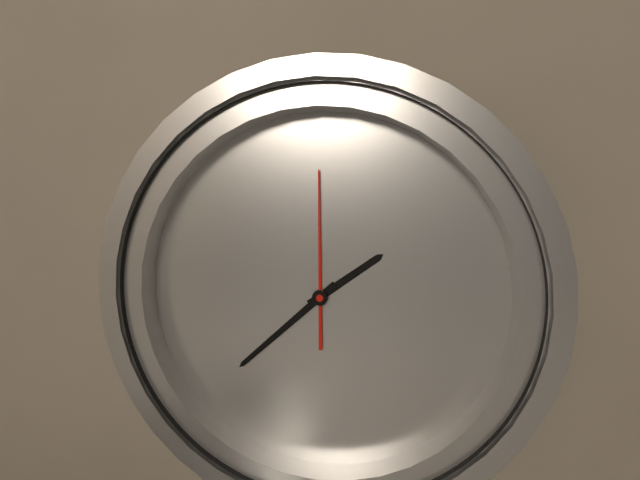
1:37:59
